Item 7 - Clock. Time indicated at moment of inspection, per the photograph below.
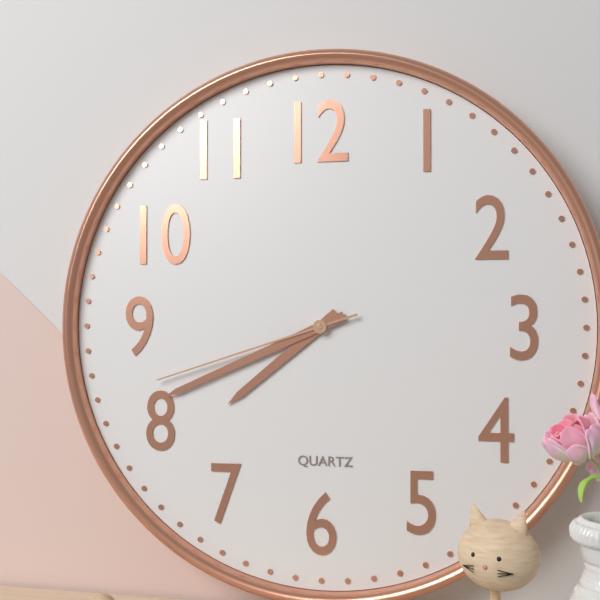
7:41:42
